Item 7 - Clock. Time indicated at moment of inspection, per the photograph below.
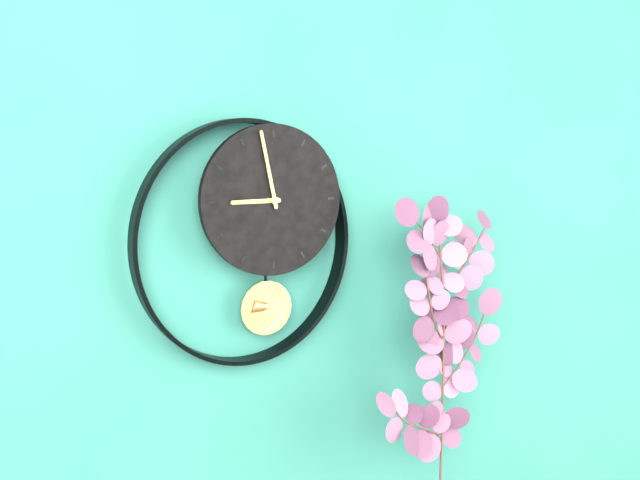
8:58
